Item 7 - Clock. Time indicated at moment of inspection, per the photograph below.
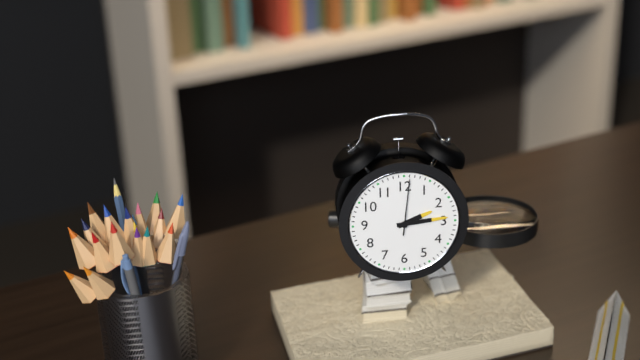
2:14:01
